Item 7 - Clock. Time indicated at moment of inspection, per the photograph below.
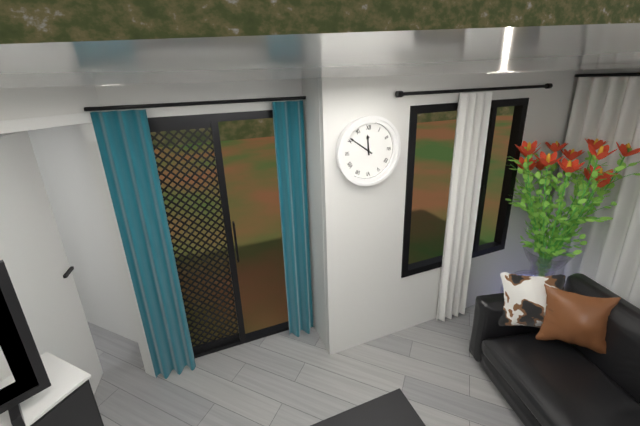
11:51
